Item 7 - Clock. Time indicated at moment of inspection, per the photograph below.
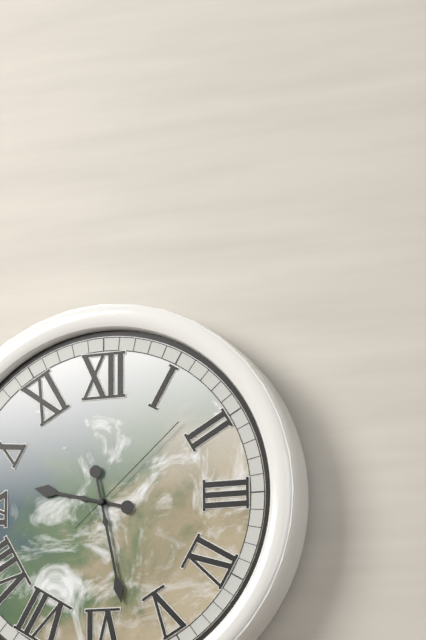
9:28:08
